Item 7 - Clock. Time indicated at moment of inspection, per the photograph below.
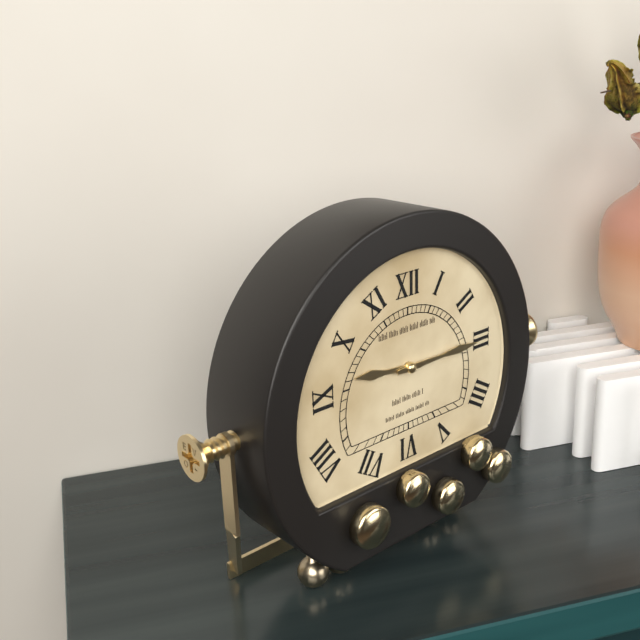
9:15
